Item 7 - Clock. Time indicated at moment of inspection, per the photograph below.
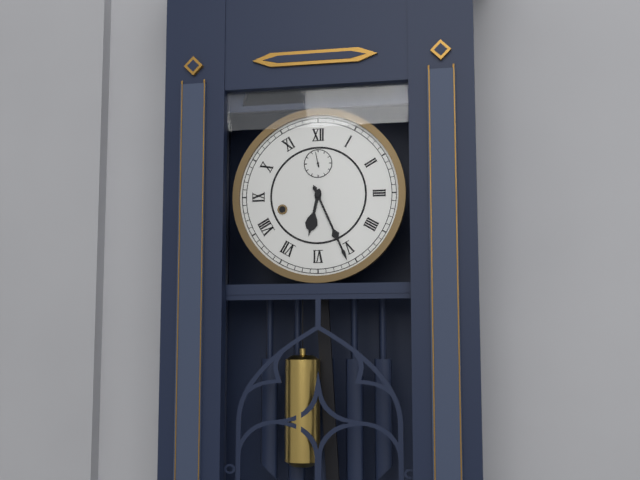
6:26
